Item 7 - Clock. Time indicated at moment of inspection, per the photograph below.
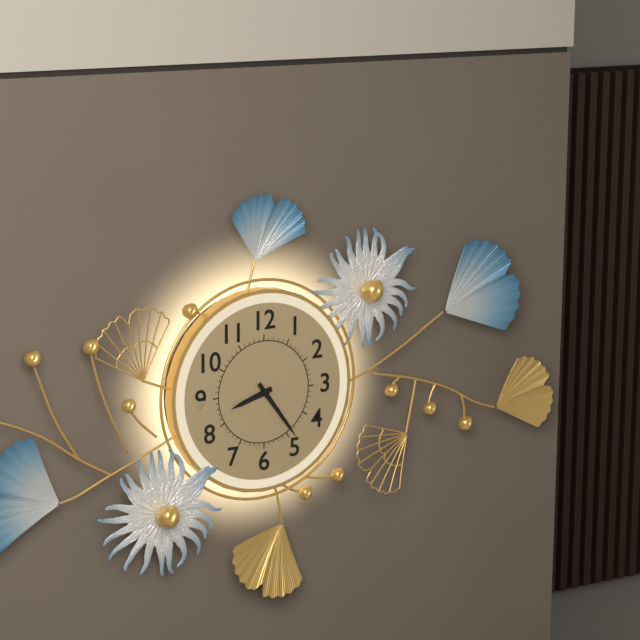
8:24
